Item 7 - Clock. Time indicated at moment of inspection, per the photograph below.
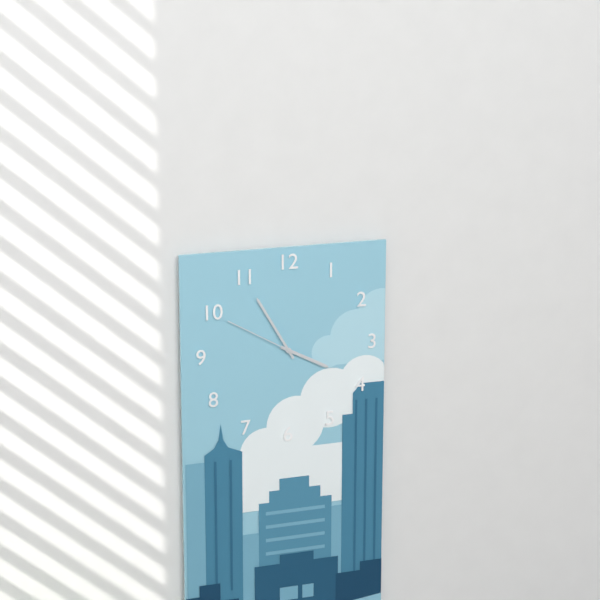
3:55:50
